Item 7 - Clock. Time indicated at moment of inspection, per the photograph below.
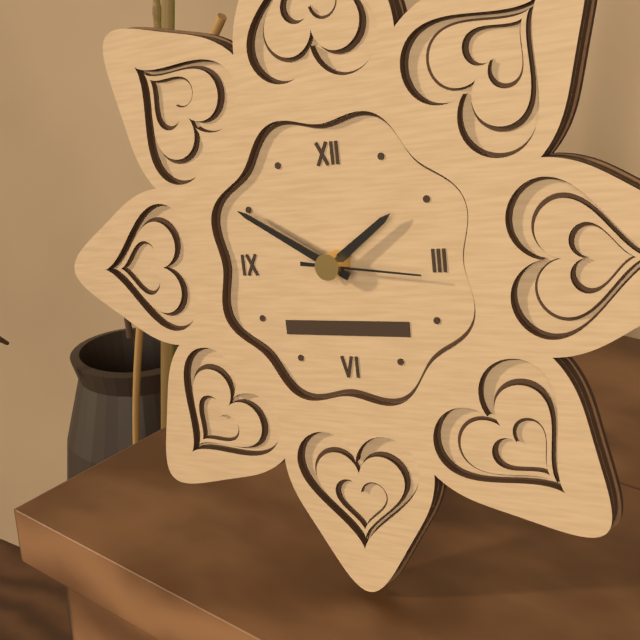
1:50:16
